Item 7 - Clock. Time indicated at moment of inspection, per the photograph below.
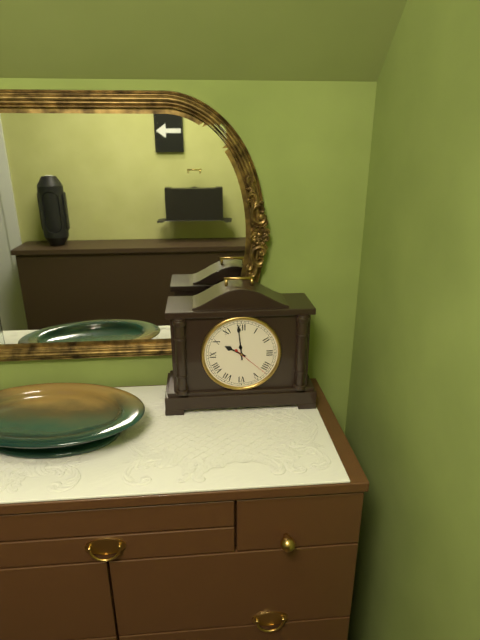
9:59
